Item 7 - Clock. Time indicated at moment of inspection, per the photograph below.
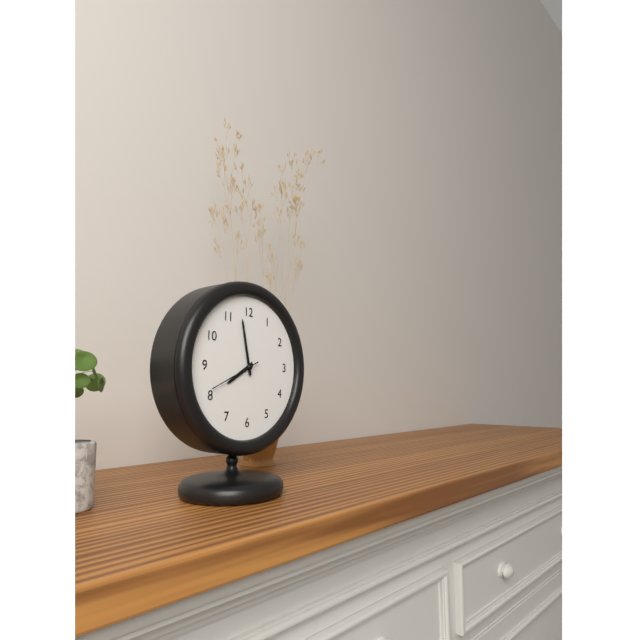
7:58:41
